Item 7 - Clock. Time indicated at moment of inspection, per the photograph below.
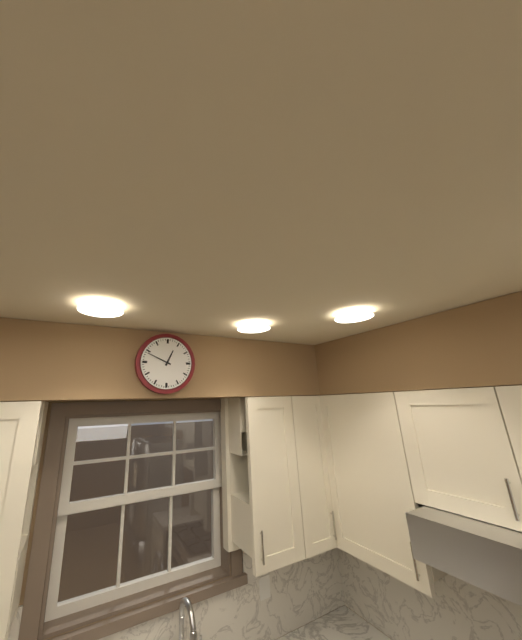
12:49
